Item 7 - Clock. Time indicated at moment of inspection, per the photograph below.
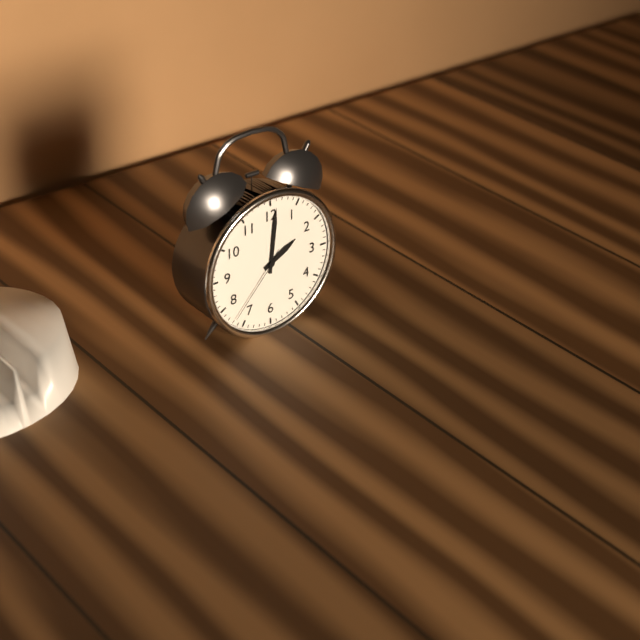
2:01:37
